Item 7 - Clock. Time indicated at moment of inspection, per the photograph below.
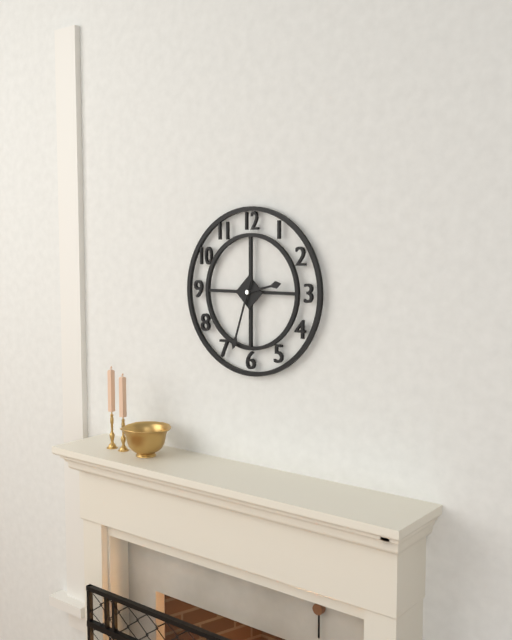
2:33
